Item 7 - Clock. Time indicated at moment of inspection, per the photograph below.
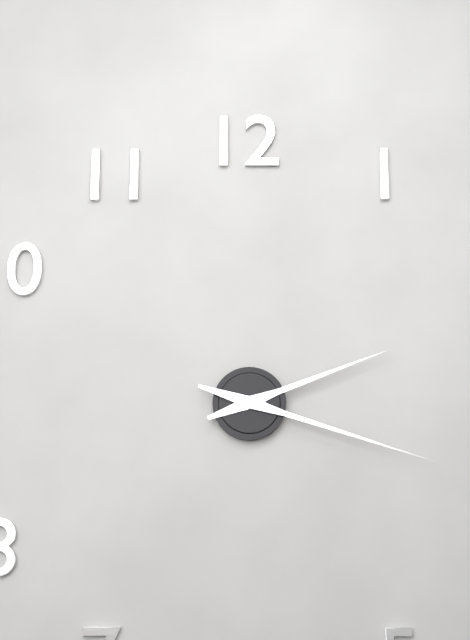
2:18
